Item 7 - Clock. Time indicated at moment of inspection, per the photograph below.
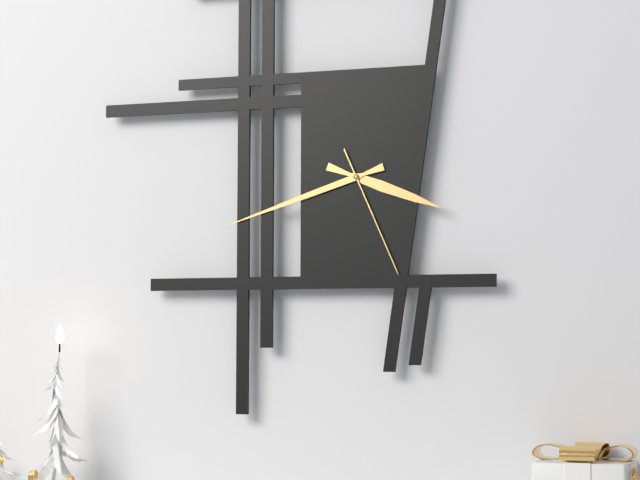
3:42:26
